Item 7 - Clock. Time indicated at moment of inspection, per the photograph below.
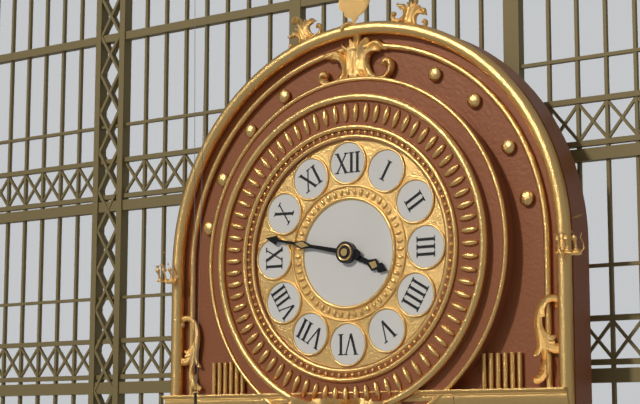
3:47
